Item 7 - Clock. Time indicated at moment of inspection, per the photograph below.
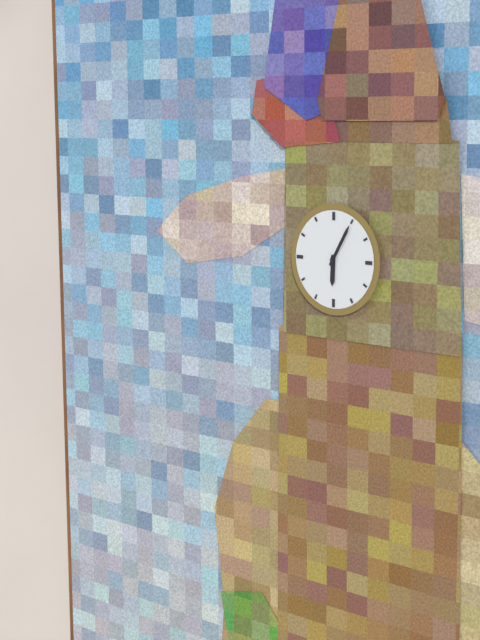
6:05
